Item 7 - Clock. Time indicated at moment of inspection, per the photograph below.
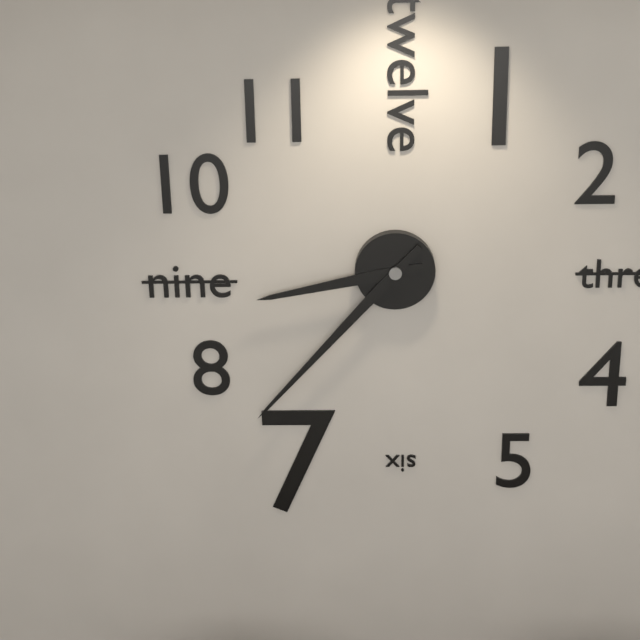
8:37
